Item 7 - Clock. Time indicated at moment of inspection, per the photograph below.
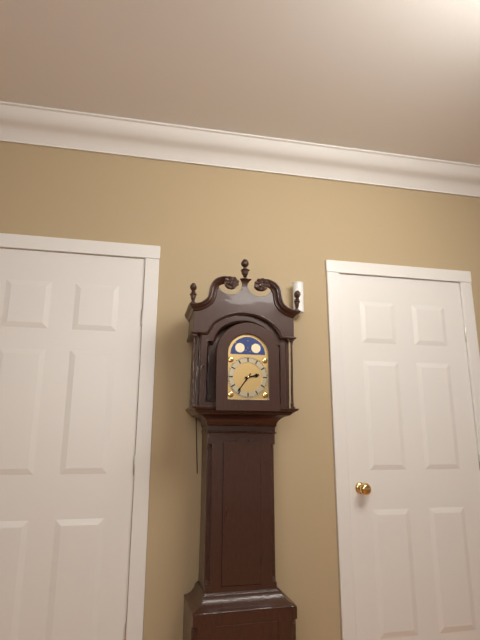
2:36
